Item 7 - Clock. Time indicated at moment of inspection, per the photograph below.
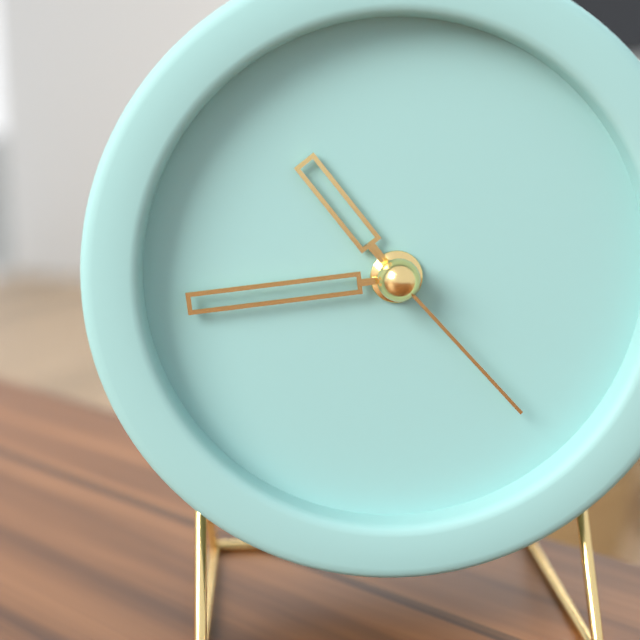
10:44:23
